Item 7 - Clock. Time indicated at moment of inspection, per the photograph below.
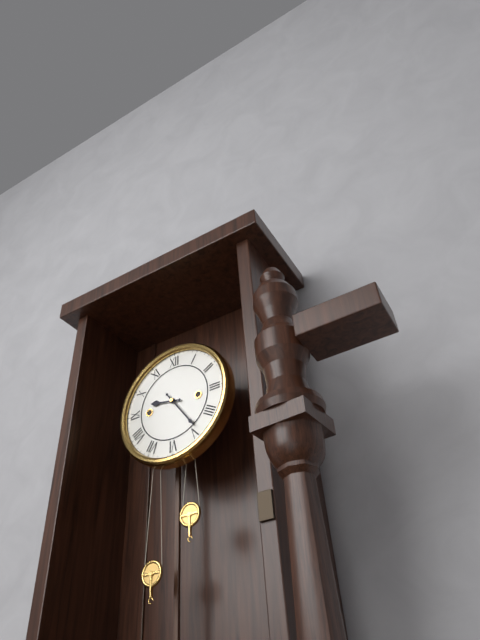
9:24
